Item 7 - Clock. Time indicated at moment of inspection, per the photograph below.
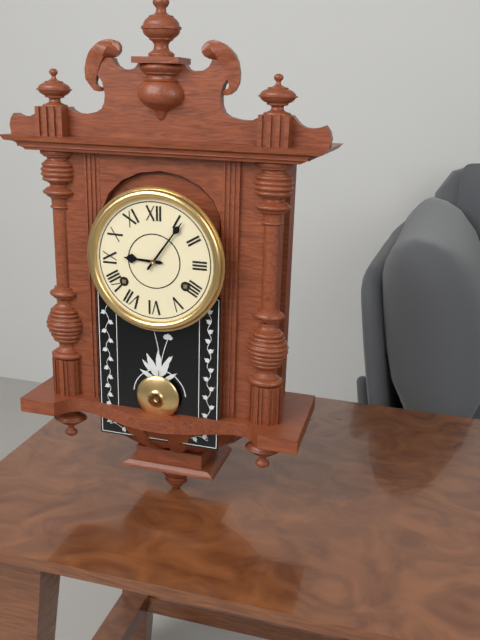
9:06
